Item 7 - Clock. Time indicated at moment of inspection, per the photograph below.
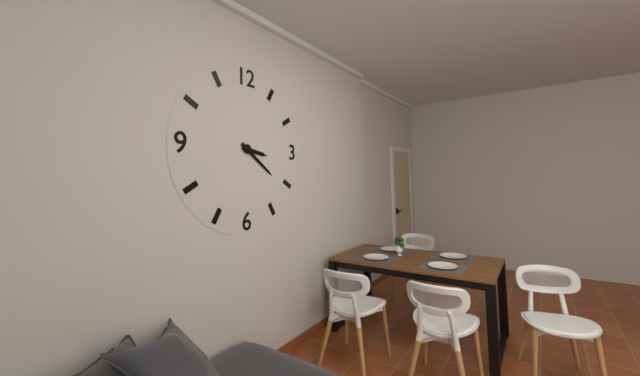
3:21
